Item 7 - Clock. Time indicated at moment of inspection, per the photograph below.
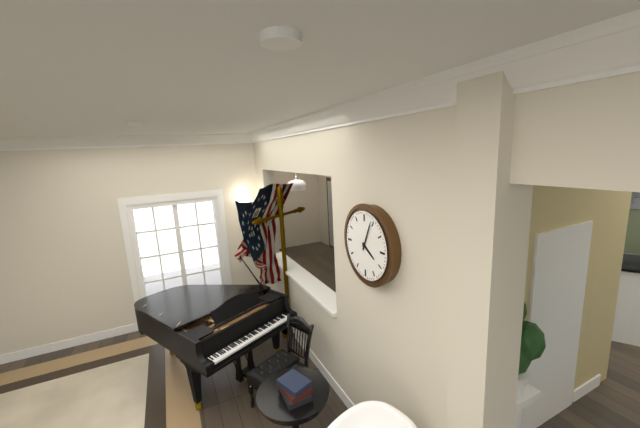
4:04
